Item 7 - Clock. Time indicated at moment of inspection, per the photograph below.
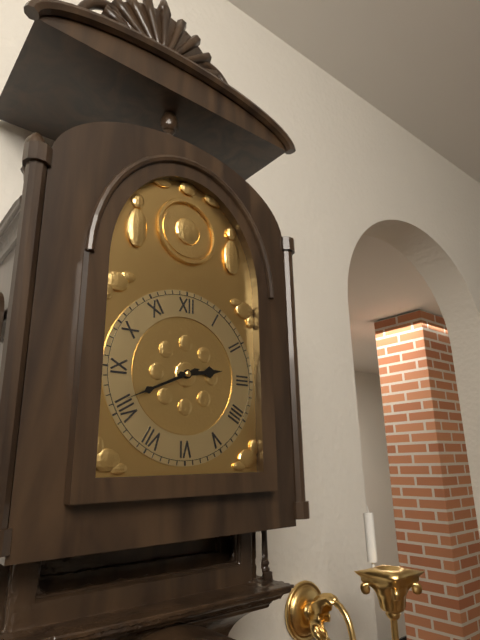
2:41
